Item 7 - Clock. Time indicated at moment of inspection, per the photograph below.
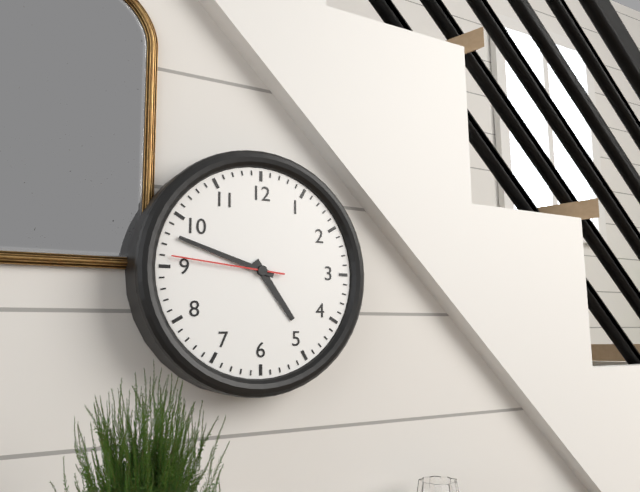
4:48:46
